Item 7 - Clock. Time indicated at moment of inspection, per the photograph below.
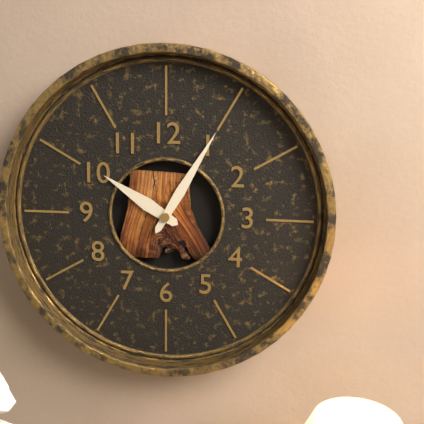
10:05
